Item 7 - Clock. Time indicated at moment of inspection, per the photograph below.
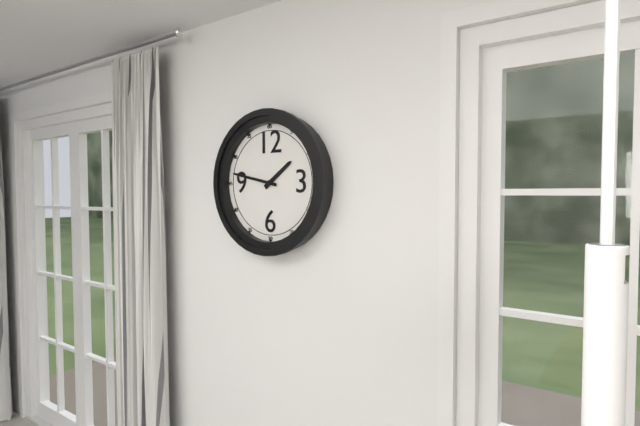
1:47
